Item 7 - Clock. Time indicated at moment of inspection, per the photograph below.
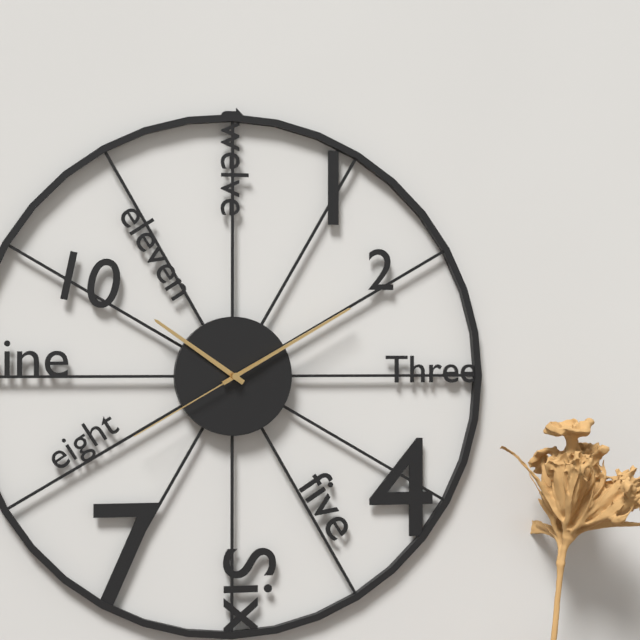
10:10:40
